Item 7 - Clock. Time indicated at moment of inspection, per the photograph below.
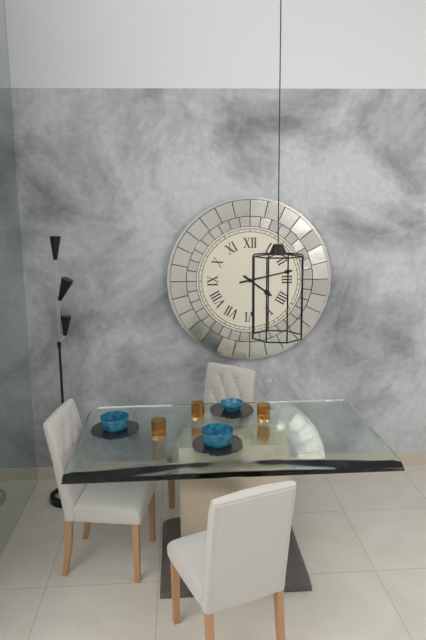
4:13
